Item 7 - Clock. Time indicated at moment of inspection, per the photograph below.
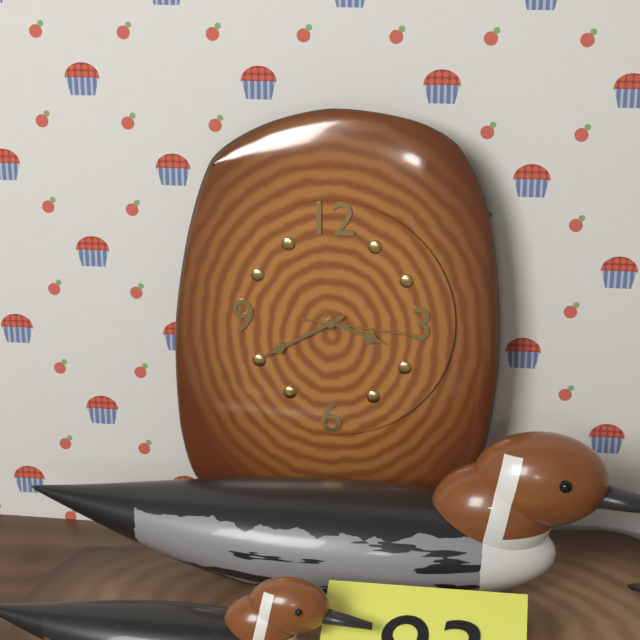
3:40:16
